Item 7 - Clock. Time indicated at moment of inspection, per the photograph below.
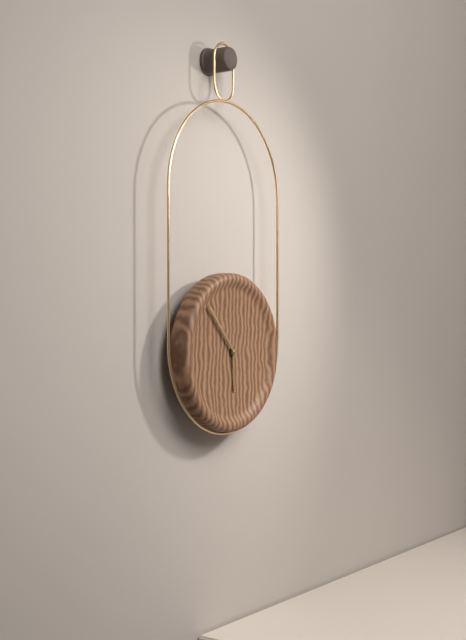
5:53
